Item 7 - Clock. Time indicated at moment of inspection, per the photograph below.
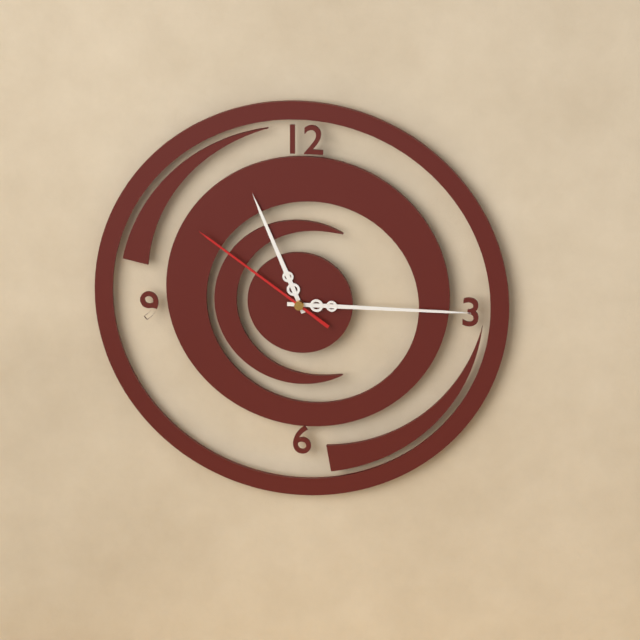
11:15:51
